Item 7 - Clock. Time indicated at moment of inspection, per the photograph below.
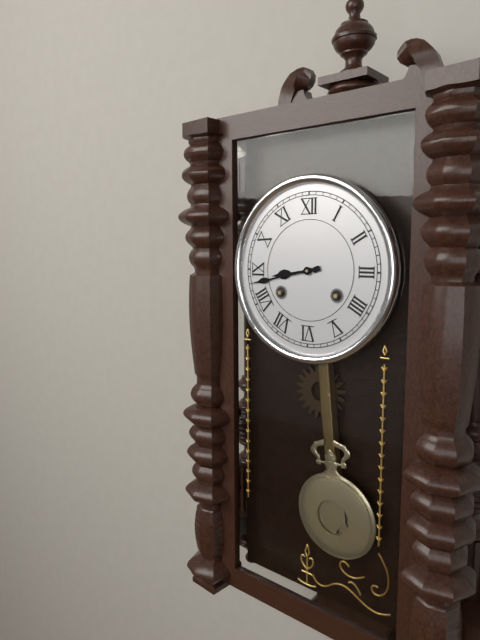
8:43
